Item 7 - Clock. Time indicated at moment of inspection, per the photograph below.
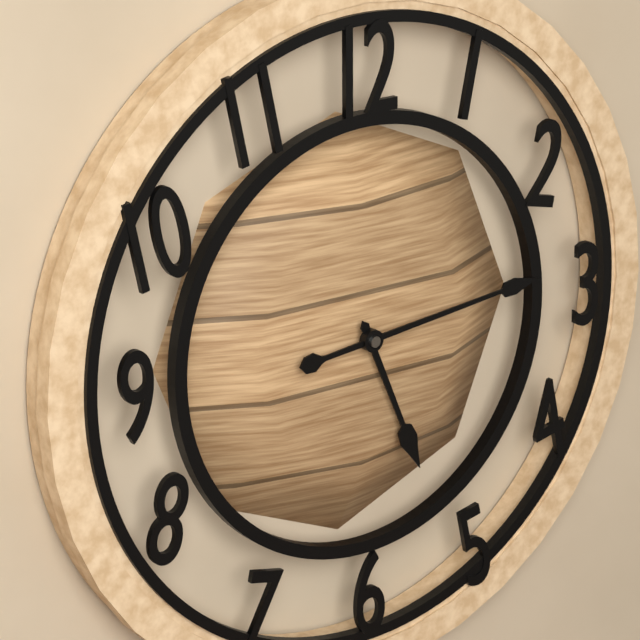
5:14
